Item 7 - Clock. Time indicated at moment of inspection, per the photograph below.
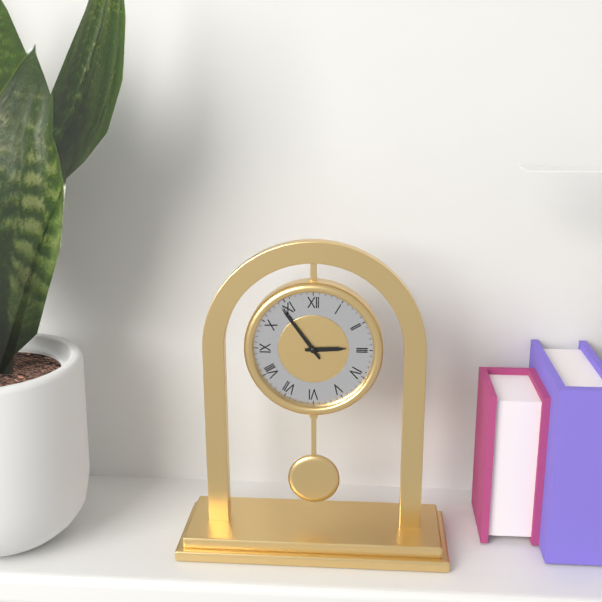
2:54
